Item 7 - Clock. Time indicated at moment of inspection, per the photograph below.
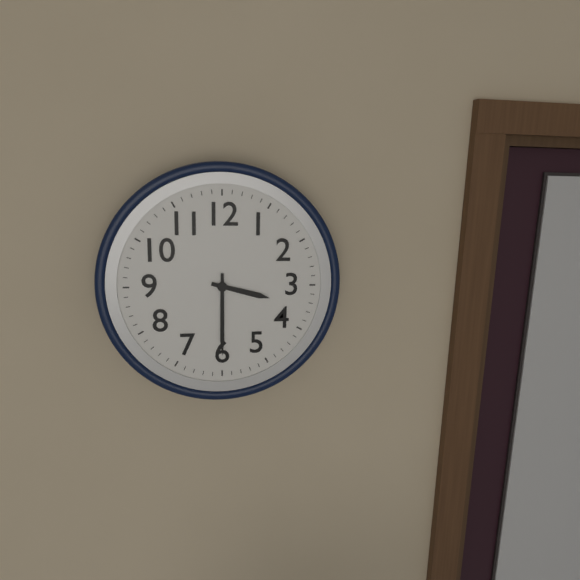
3:30
